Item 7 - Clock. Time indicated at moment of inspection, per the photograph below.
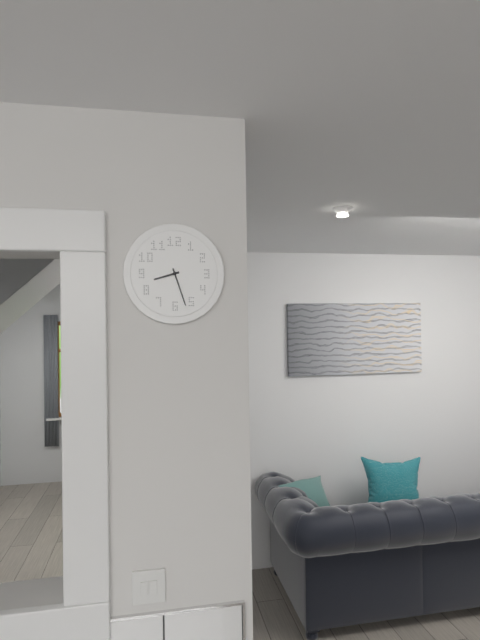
8:27
